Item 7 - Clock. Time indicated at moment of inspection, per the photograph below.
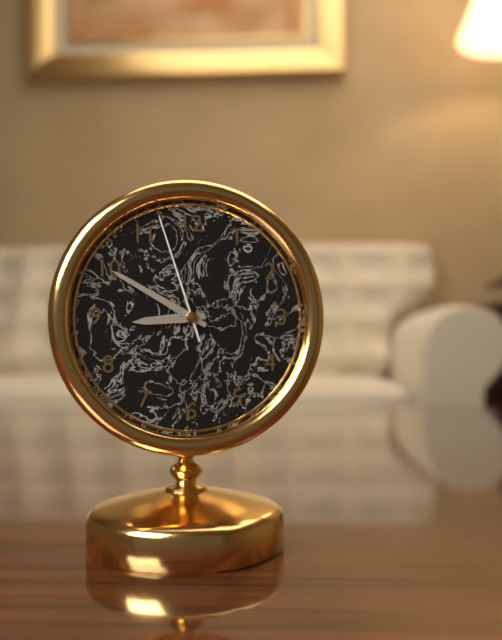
8:50:57
